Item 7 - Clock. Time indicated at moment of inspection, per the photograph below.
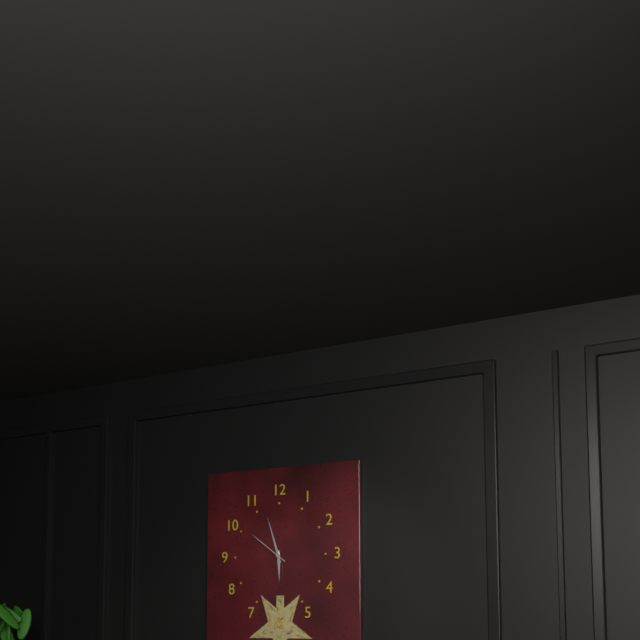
5:57
